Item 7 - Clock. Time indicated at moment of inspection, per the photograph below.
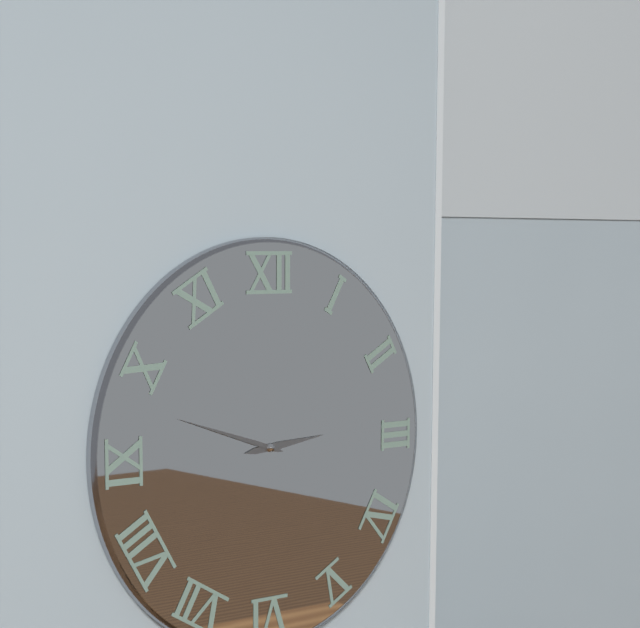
2:48
